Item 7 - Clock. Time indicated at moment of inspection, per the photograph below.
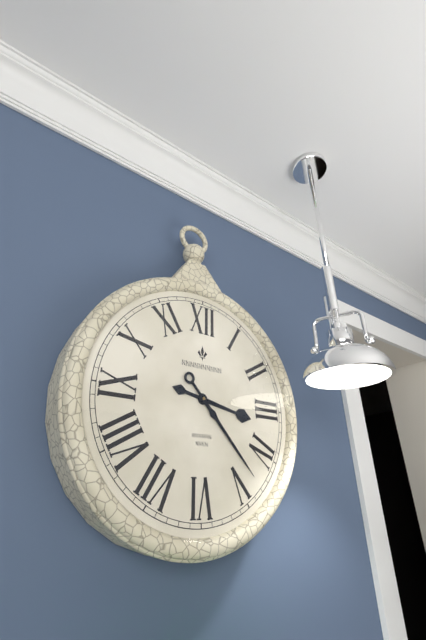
3:23
